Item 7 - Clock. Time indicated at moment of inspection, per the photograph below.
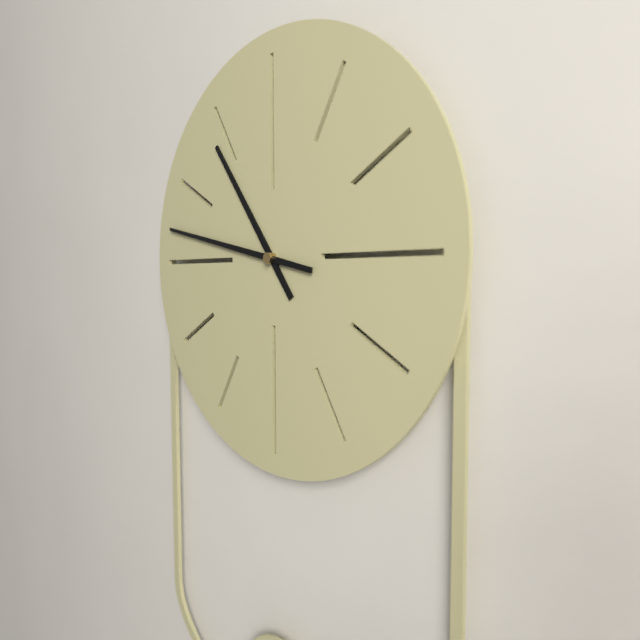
10:47
